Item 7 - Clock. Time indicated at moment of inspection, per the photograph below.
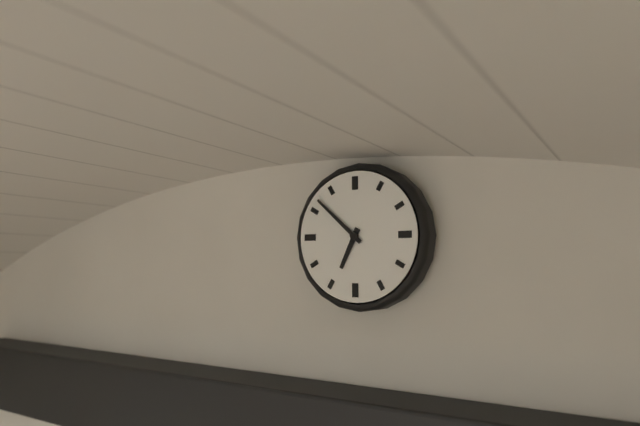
6:52
